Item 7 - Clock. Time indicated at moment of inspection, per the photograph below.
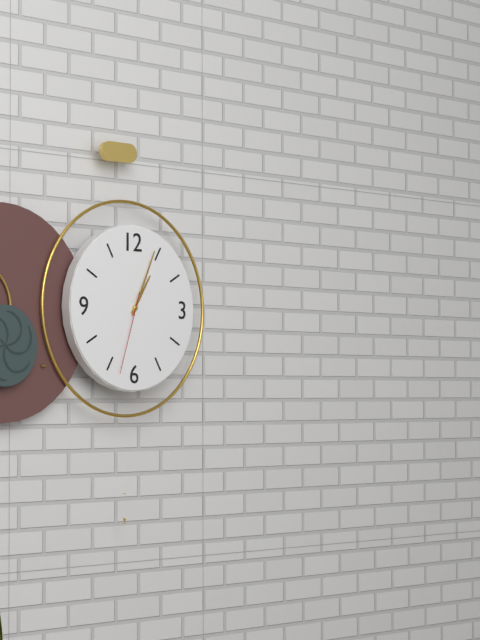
1:04:33
